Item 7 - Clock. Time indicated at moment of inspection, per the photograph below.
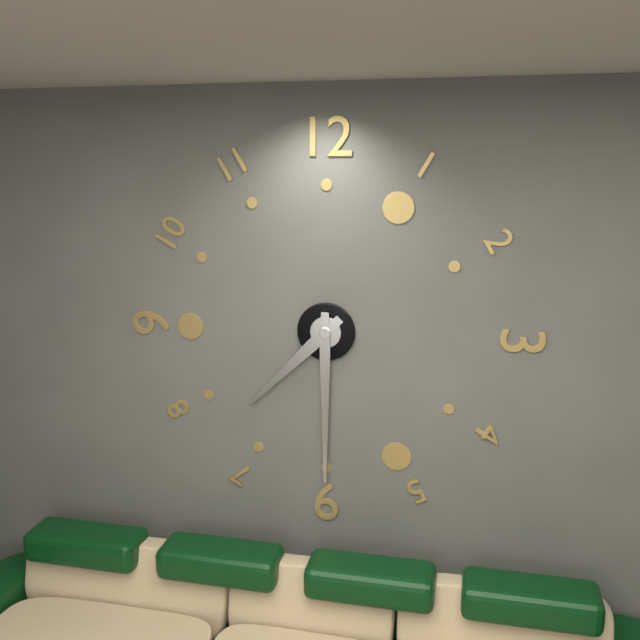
7:30
